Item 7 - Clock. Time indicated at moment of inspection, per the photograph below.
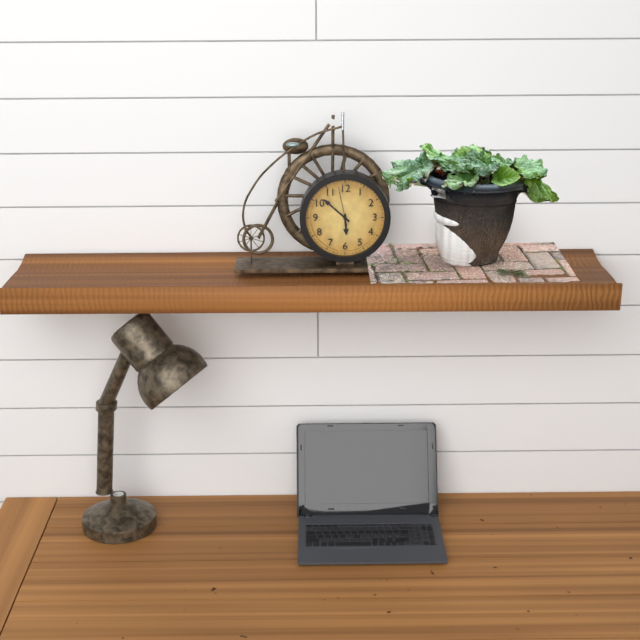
5:52
